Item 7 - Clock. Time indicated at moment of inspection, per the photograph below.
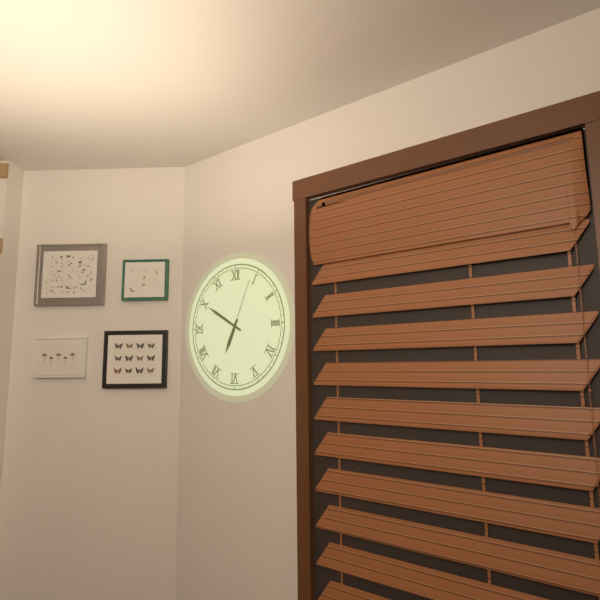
6:50:04
